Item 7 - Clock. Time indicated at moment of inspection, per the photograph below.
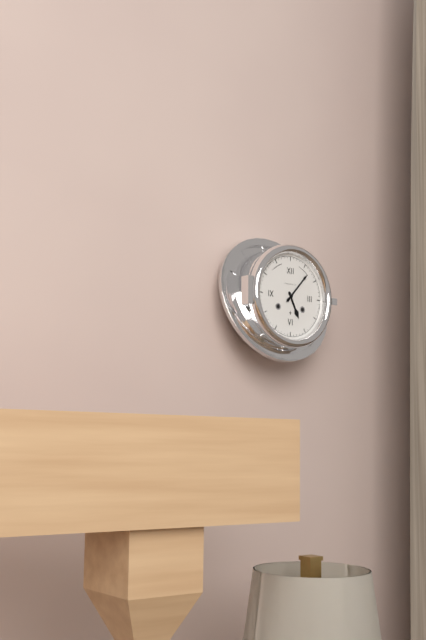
5:07
